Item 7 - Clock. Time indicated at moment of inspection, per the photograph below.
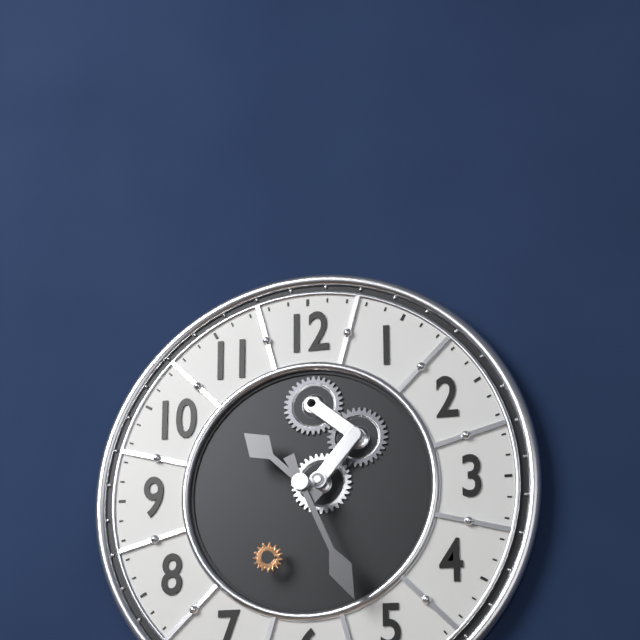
10:26
